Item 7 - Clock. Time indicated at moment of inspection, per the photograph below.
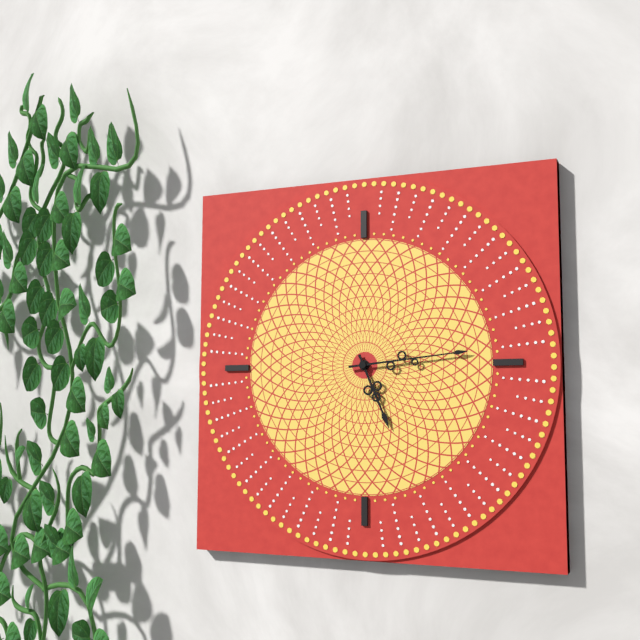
5:14
